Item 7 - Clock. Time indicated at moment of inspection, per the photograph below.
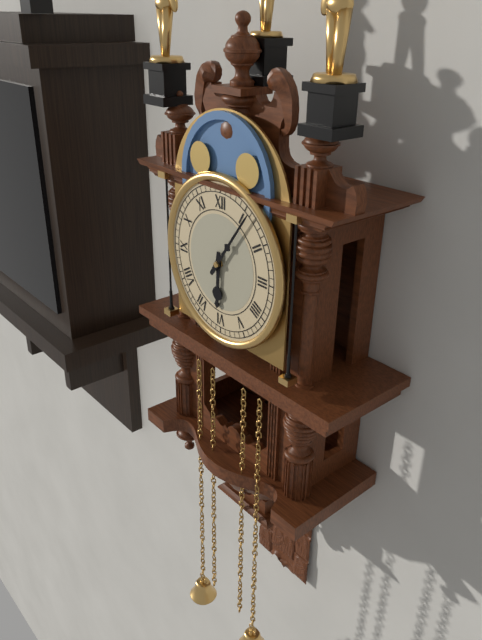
6:06
